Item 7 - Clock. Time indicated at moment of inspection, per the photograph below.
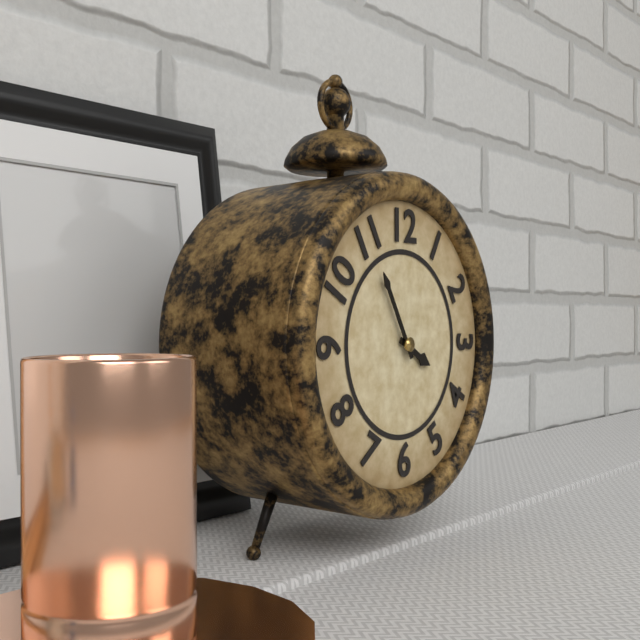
3:55
